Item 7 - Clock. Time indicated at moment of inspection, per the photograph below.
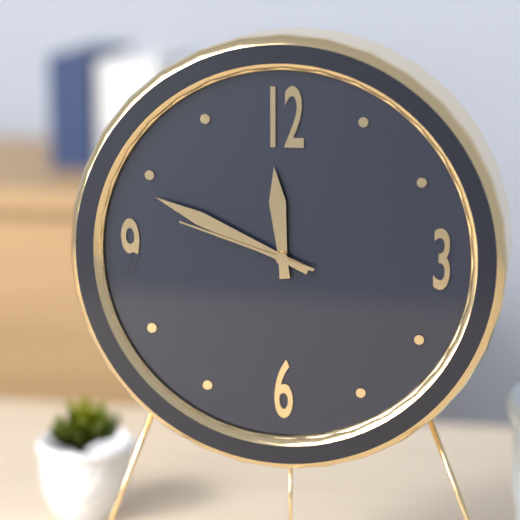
11:49:48
